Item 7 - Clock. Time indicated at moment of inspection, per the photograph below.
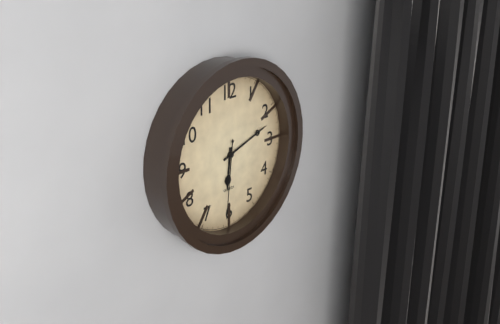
6:12:31
